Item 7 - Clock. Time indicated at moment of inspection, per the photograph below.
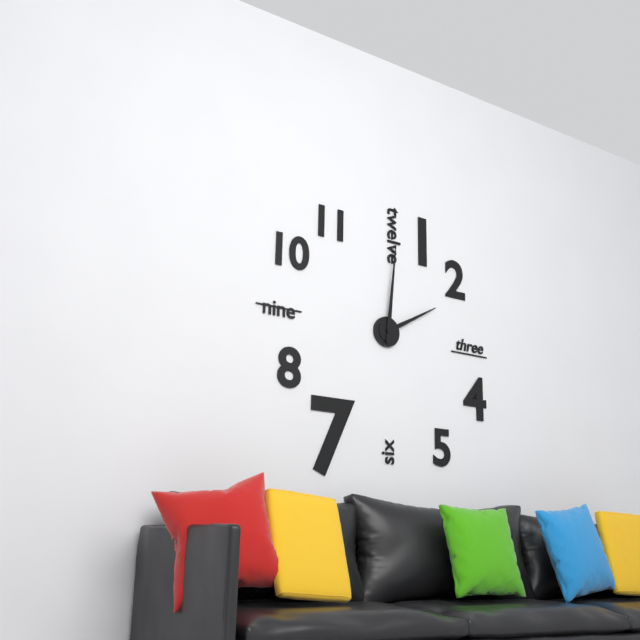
2:01
